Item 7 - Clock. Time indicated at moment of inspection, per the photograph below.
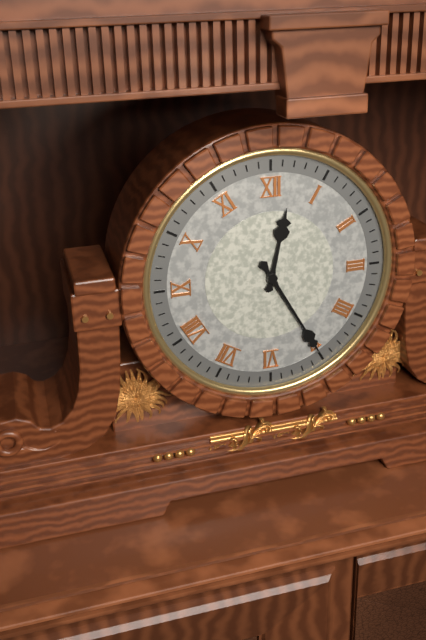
12:25
